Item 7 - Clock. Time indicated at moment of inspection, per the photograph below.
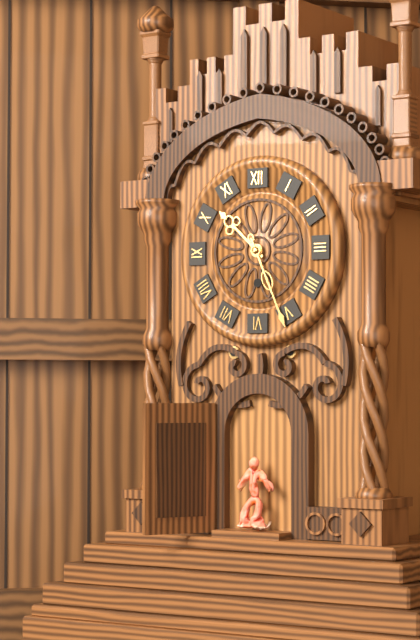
10:26
